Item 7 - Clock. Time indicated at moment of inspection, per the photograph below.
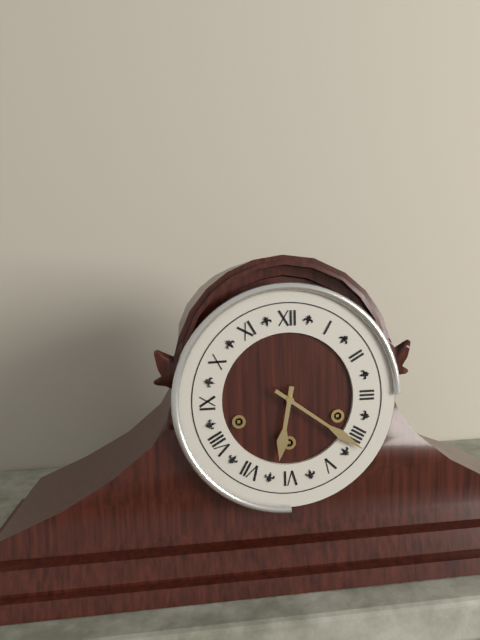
6:21
